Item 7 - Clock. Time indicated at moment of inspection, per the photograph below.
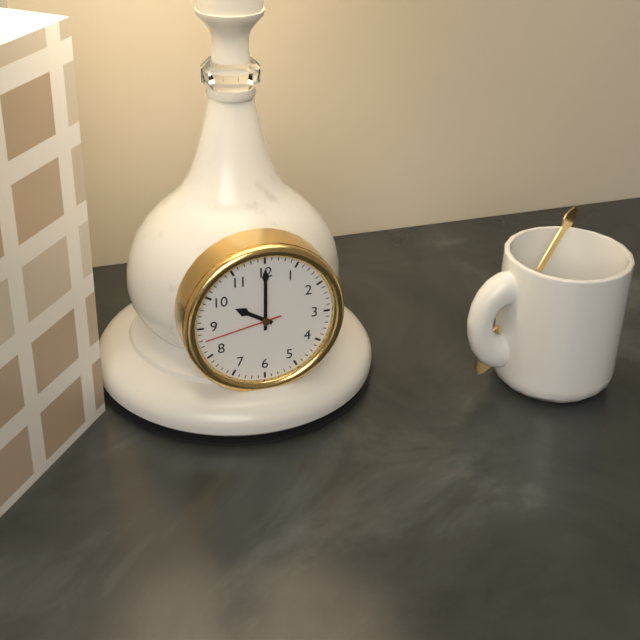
10:00:43
